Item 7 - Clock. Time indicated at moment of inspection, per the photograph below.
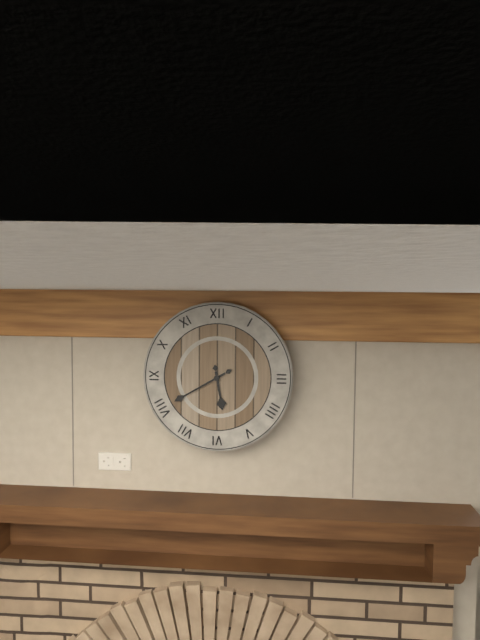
5:40
